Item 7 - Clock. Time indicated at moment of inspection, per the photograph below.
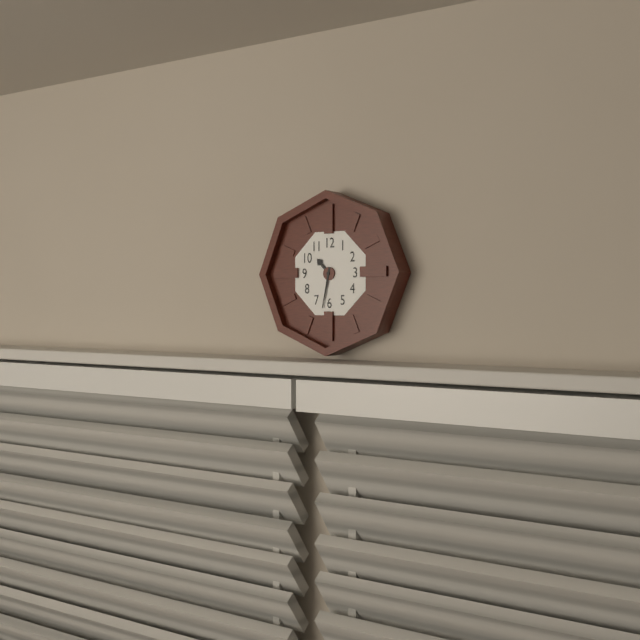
10:32
